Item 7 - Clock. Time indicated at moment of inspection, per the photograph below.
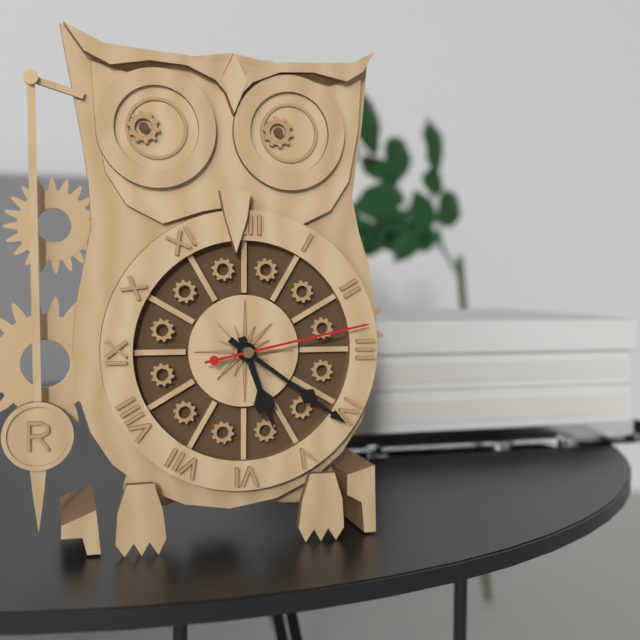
5:21:13
